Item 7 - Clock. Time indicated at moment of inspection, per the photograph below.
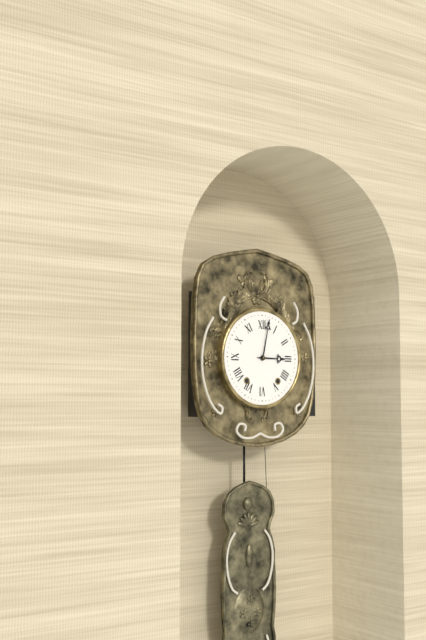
3:02
